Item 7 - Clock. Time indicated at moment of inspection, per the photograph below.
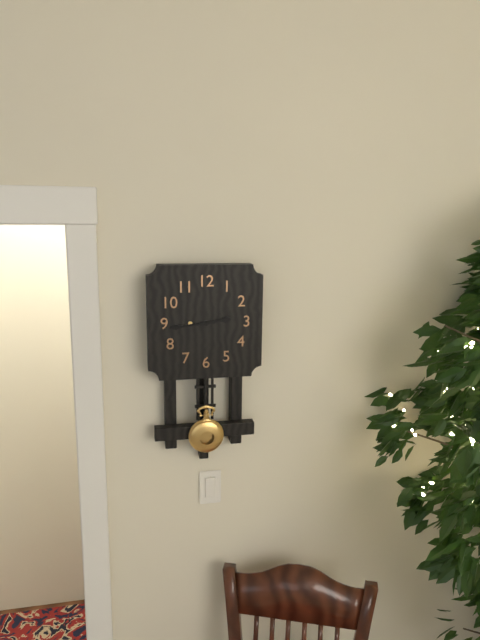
2:44
